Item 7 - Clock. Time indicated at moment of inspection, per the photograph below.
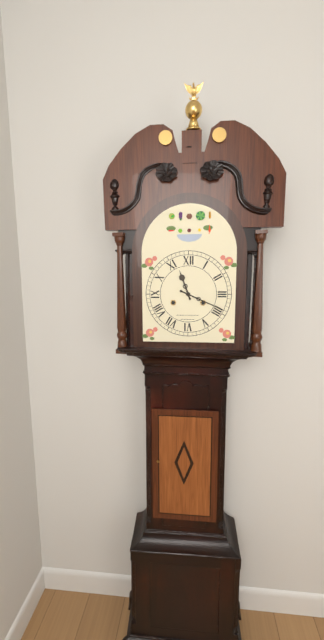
11:19
